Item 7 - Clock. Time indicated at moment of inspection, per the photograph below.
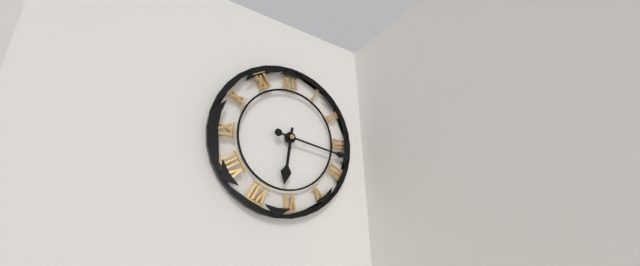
6:17
